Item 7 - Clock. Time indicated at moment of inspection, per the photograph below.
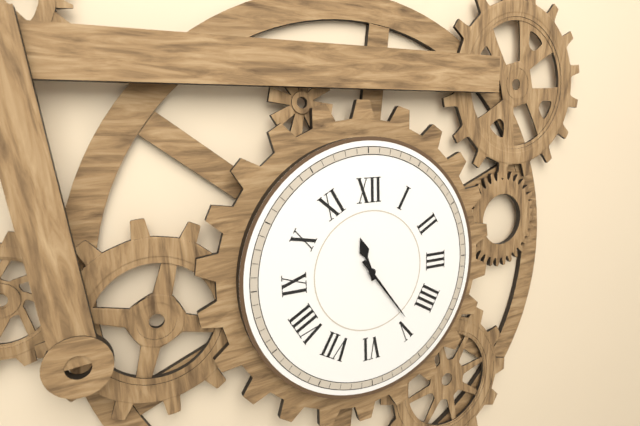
11:24
